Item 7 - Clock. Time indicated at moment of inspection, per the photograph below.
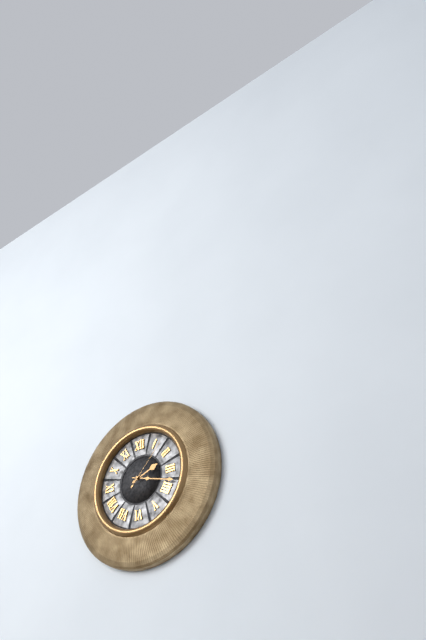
2:18:07
